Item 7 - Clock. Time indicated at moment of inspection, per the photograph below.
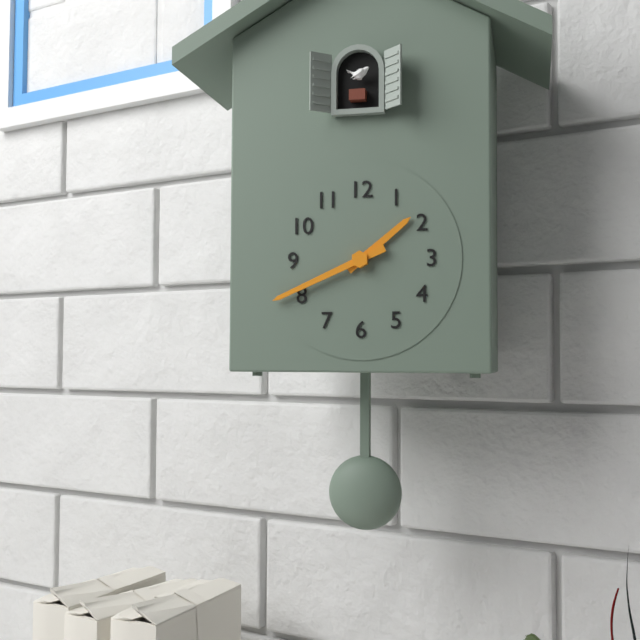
1:41
